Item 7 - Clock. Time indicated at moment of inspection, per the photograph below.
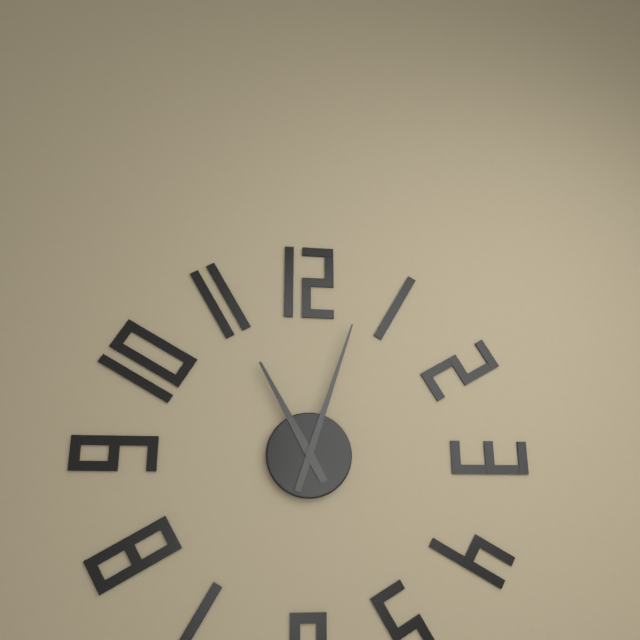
11:03
